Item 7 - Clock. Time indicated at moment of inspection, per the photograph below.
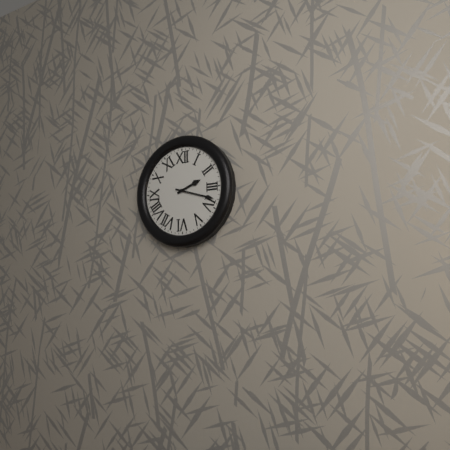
2:18
